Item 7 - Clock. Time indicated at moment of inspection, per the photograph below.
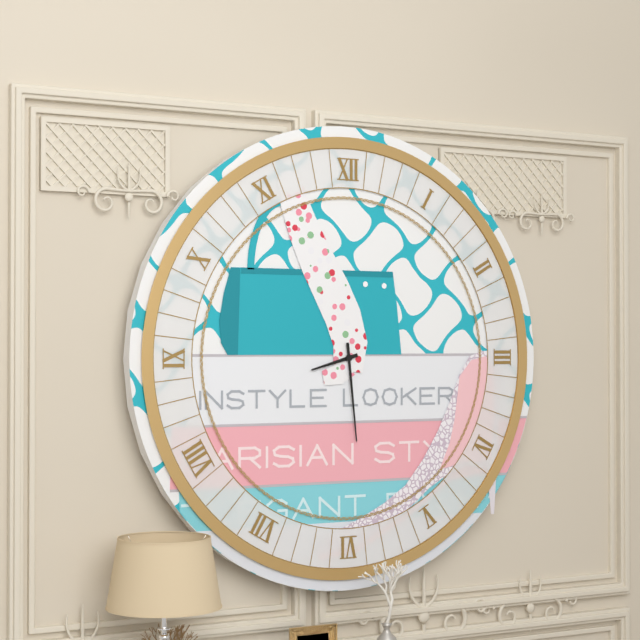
8:29
